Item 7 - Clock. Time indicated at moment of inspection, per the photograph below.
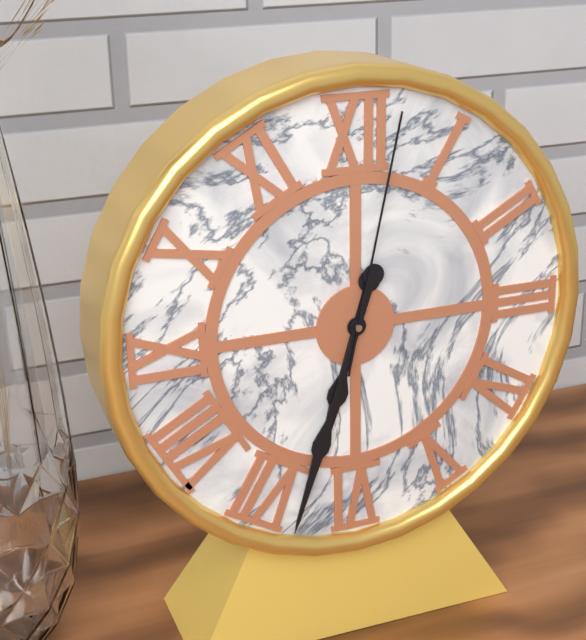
6:33:02
